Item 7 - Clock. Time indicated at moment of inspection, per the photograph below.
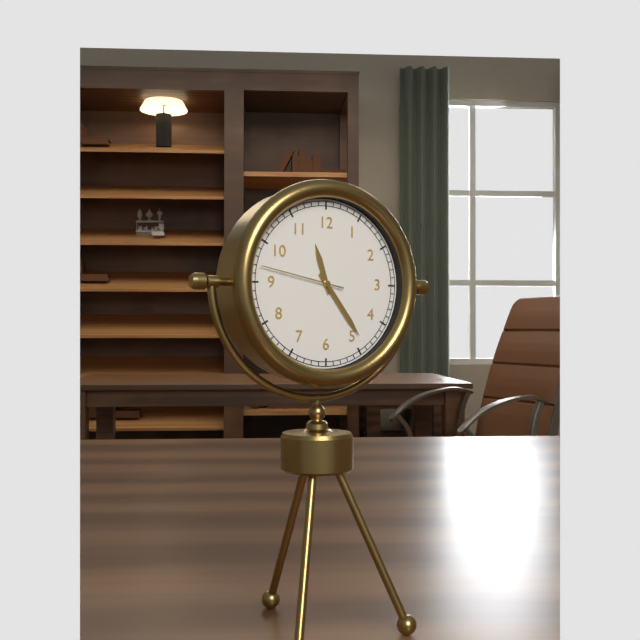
11:24:47
